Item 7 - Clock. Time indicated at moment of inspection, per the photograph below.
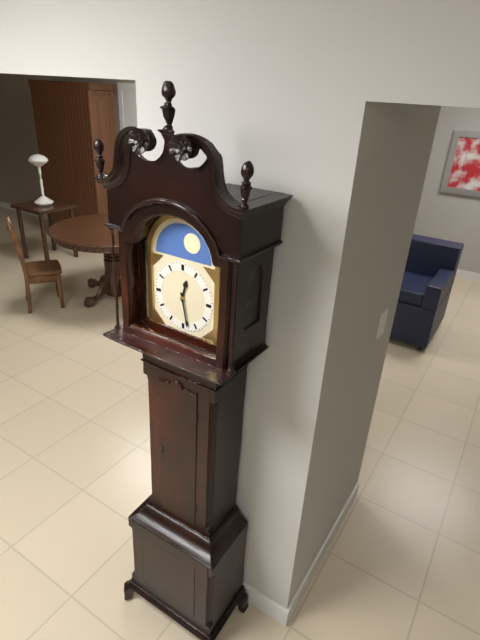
12:28
